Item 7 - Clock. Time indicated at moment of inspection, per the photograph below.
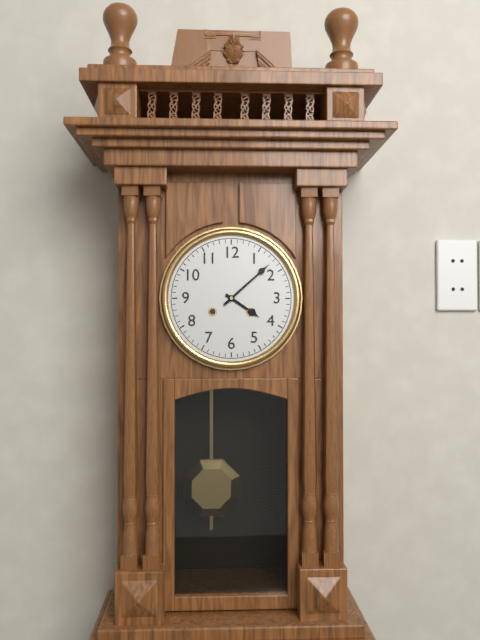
4:08
